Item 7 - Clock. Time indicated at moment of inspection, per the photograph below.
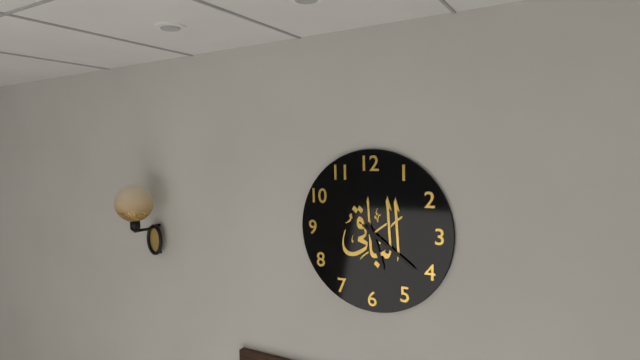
5:21
